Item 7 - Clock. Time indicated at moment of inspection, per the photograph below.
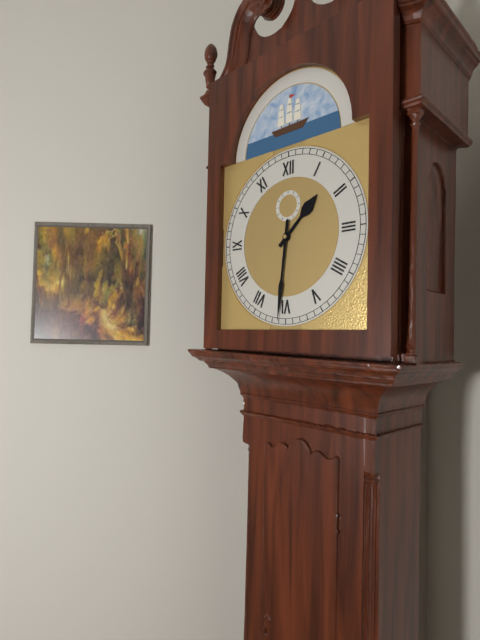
1:31
